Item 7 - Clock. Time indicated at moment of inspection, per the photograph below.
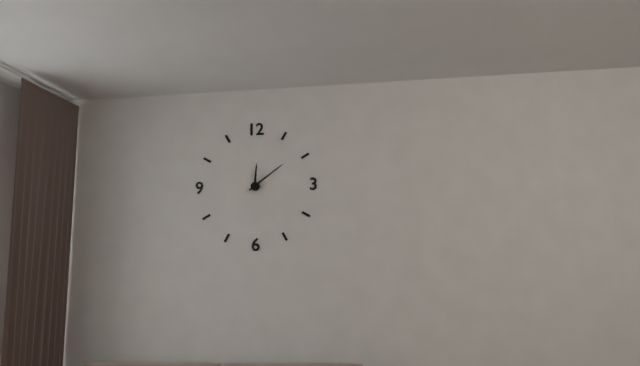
12:09
